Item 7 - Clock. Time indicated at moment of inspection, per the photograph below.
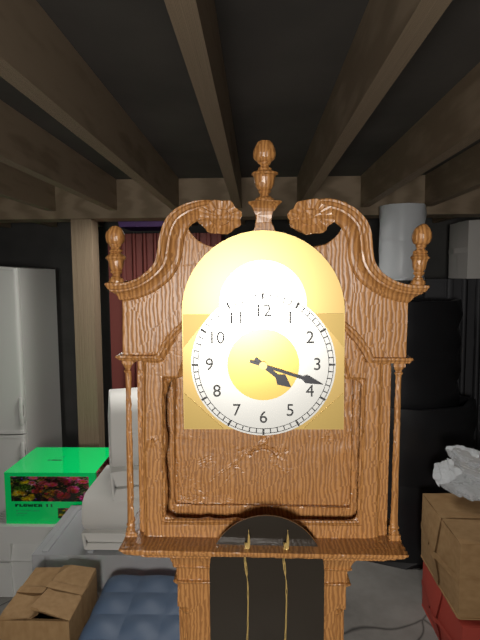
4:18
